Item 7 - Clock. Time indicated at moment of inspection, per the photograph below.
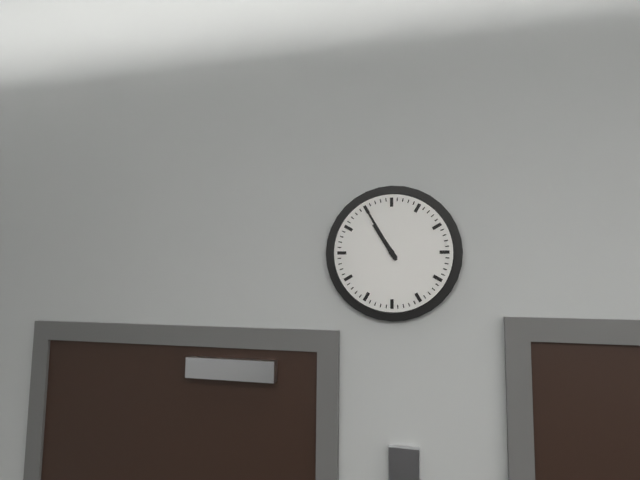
10:55
